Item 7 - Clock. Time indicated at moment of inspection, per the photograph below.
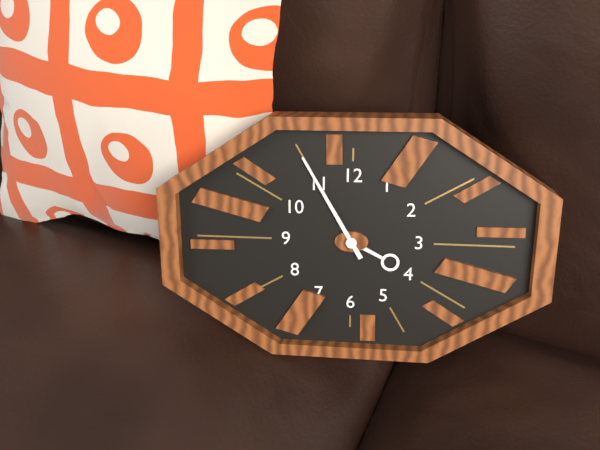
3:55
